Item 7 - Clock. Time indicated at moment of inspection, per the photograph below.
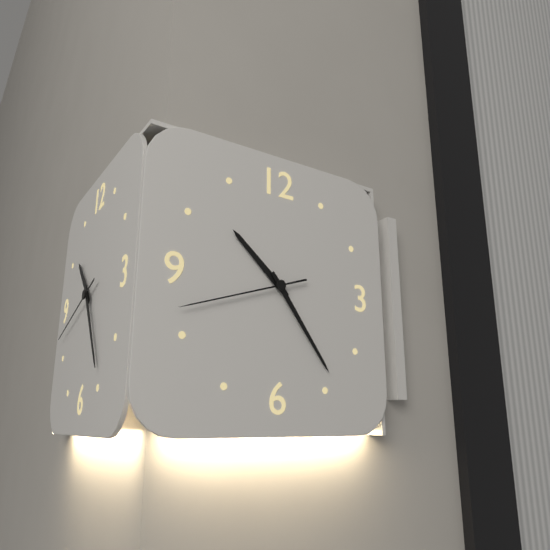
10:24:42
